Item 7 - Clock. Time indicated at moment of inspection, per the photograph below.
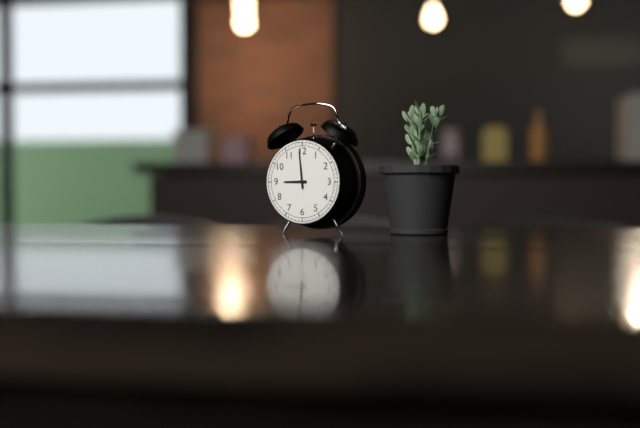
8:59
